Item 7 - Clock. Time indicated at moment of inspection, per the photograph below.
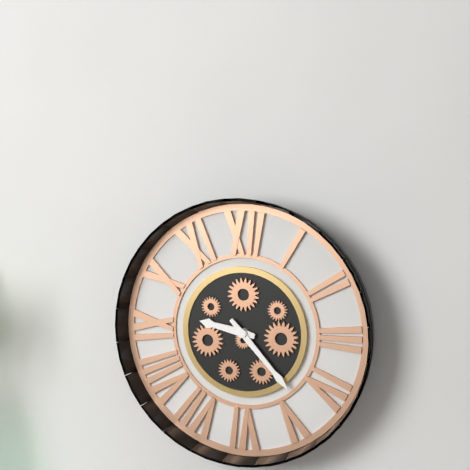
9:23
